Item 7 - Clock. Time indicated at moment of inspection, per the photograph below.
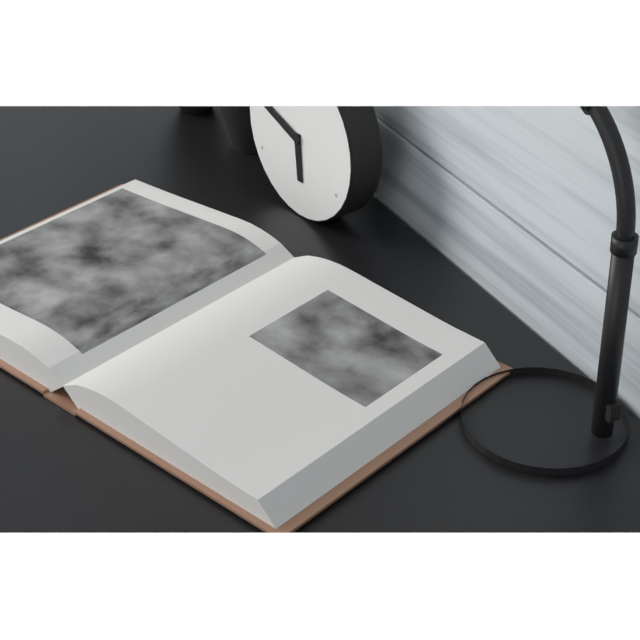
5:48
